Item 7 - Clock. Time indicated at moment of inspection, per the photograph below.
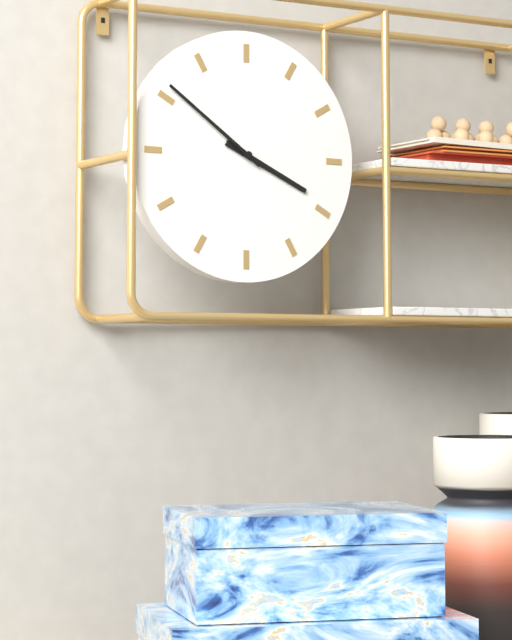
3:51
